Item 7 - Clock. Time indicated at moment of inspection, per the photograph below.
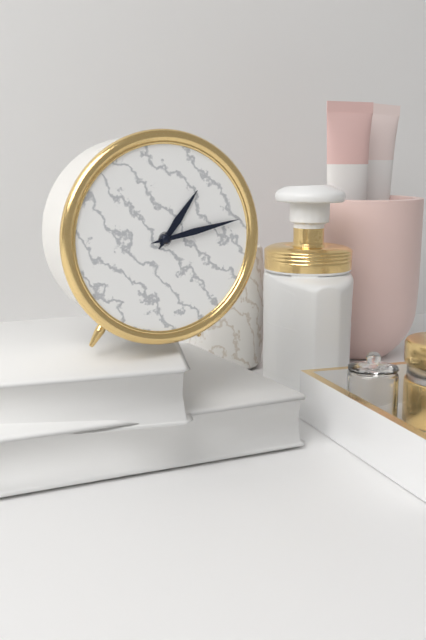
1:13
